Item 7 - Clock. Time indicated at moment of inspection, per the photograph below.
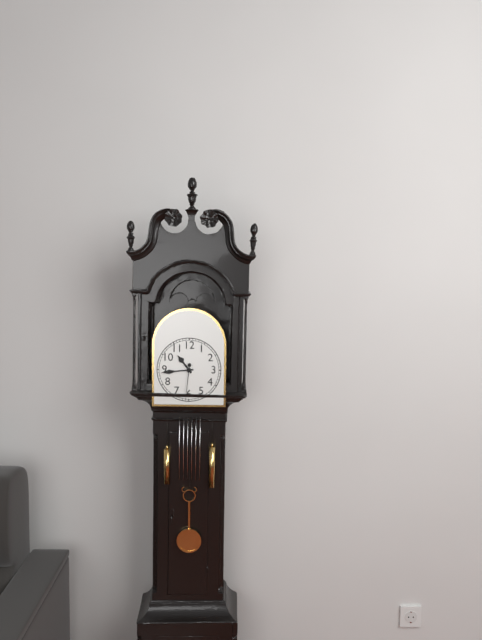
10:44
